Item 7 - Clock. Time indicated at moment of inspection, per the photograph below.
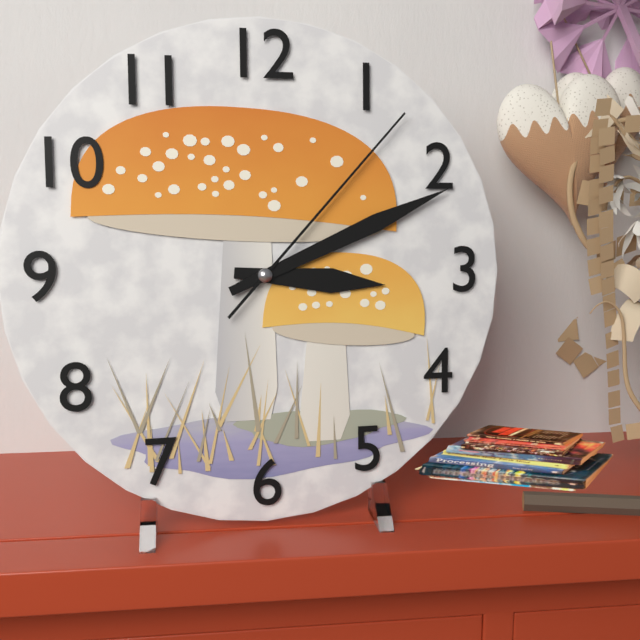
3:11:07
